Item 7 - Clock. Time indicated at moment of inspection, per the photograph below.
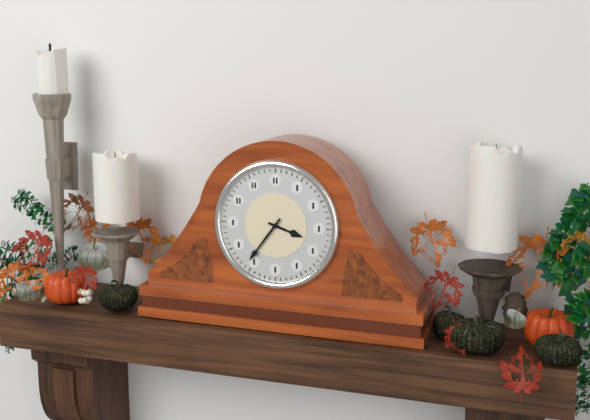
3:36
